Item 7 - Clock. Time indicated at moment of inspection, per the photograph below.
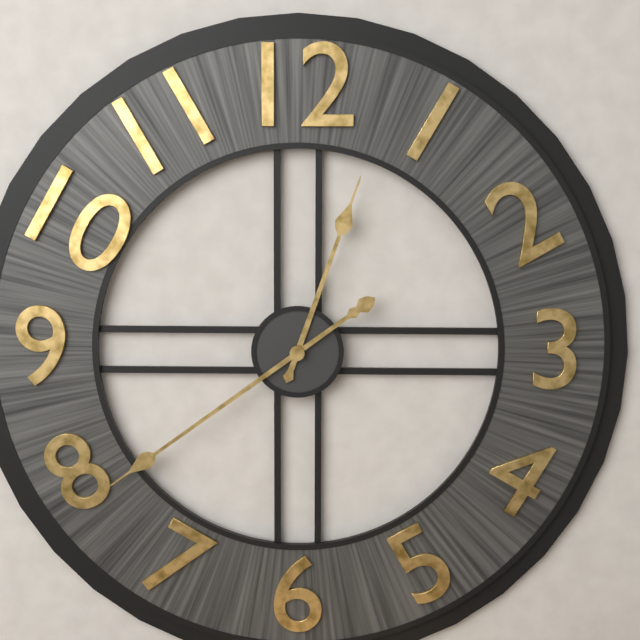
12:39
